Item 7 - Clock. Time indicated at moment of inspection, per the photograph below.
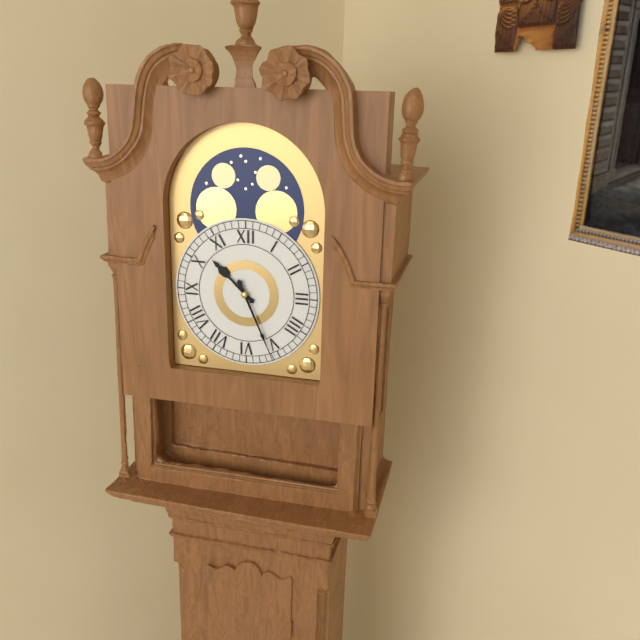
10:26
